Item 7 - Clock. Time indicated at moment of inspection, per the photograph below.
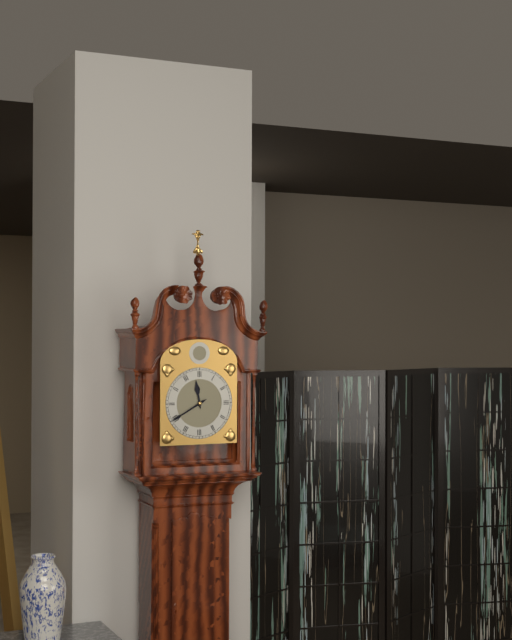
11:40
